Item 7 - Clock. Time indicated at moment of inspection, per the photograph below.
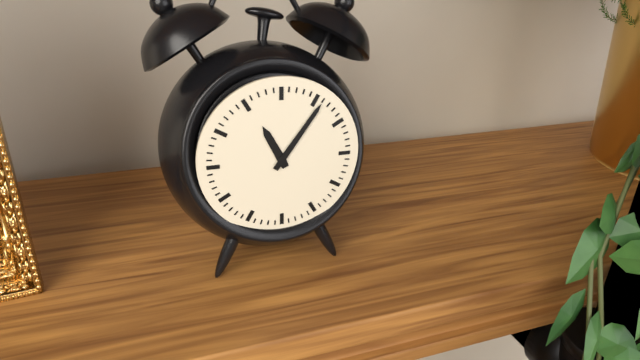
11:06
